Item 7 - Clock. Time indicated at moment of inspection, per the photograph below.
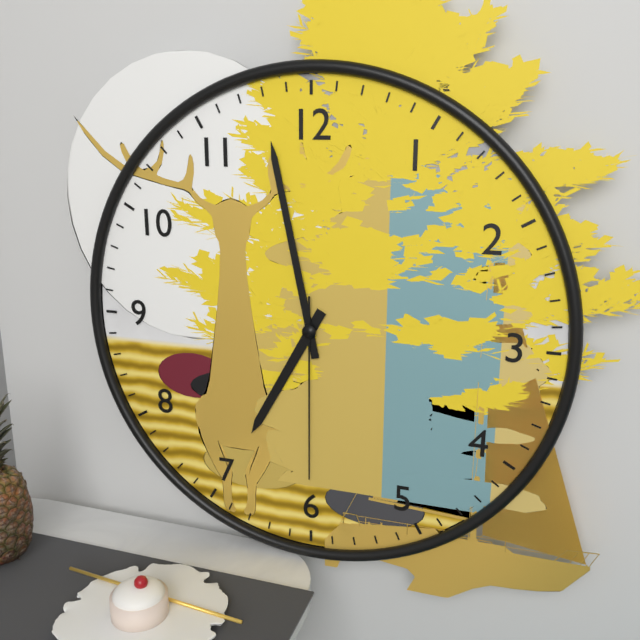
6:58:30
